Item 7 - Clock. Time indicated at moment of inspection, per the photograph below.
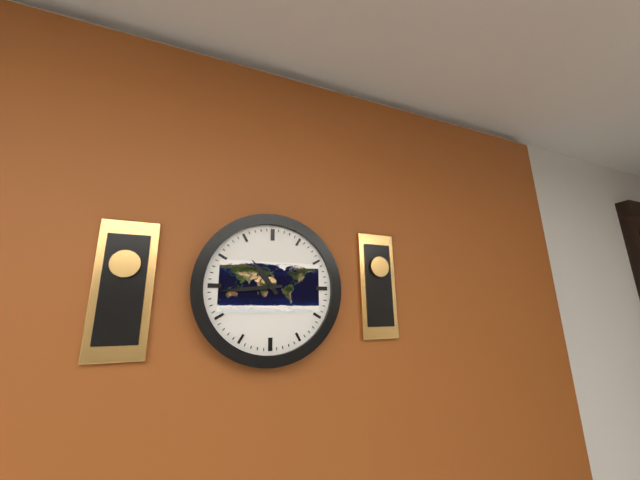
10:44
